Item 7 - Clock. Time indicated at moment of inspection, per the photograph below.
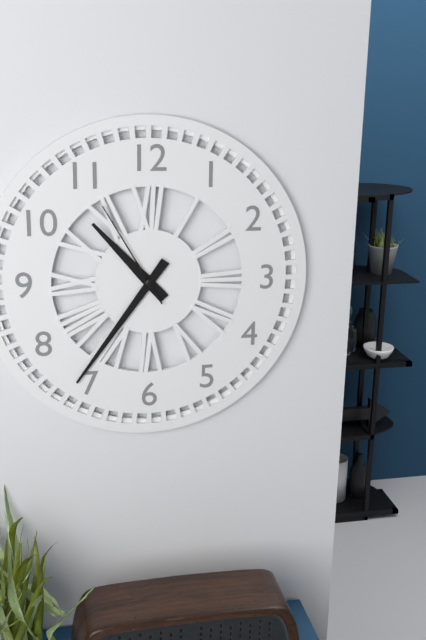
10:36:55
